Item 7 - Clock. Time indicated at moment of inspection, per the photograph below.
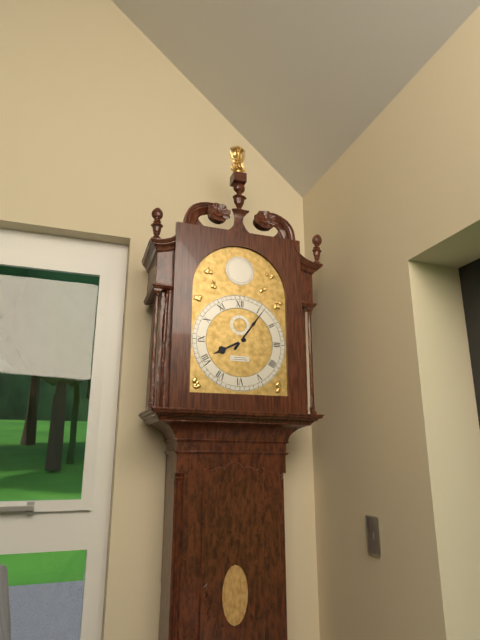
8:06
